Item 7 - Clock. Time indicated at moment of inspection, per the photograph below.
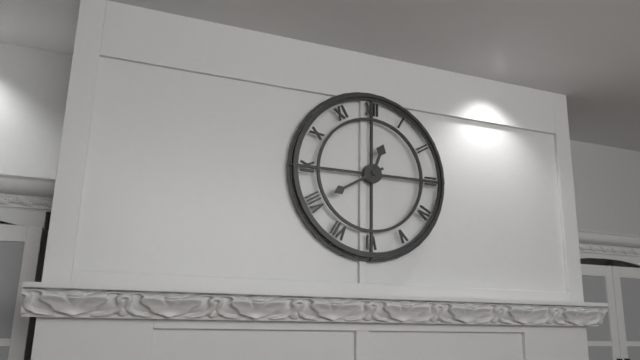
12:40
